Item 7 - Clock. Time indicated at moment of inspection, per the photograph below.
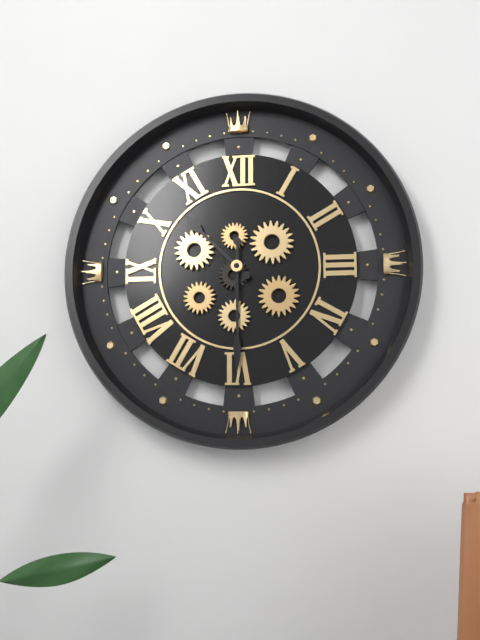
10:30
